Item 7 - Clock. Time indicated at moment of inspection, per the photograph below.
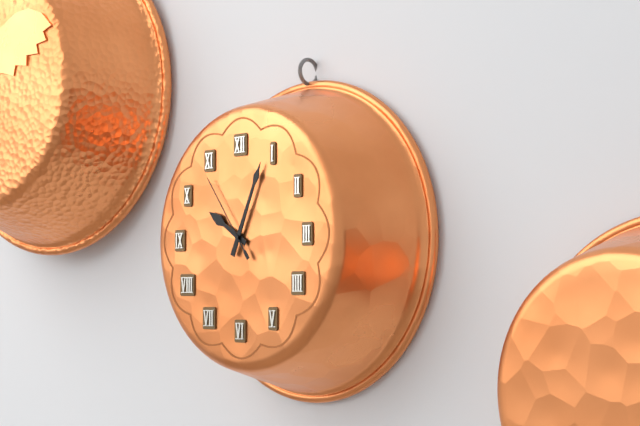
10:04:54
